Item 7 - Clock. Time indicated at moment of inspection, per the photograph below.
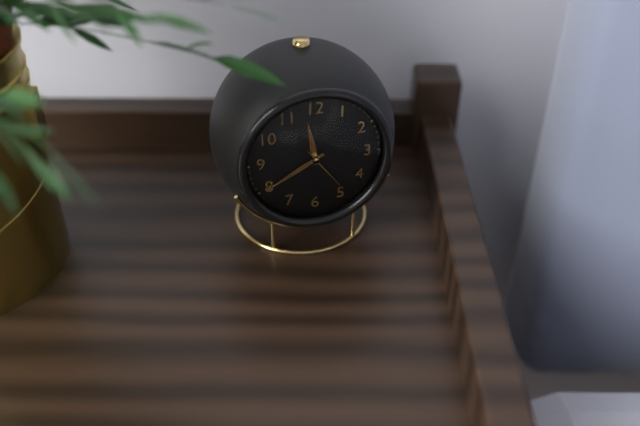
11:40:24
